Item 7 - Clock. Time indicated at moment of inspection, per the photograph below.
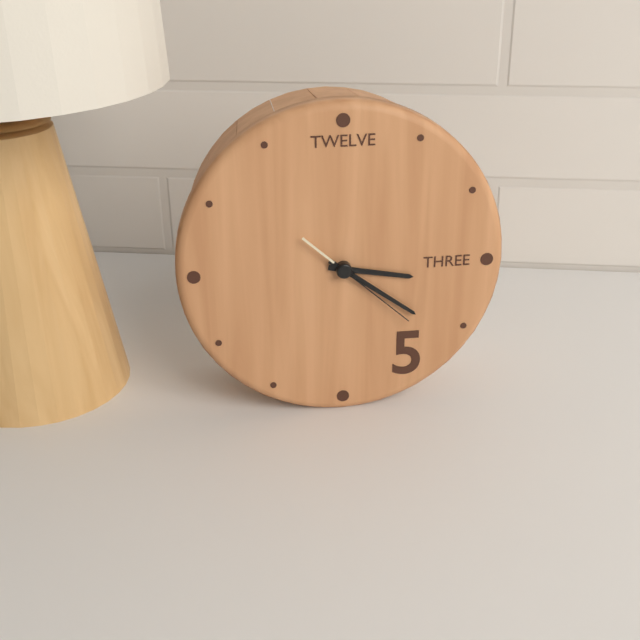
3:21:22
